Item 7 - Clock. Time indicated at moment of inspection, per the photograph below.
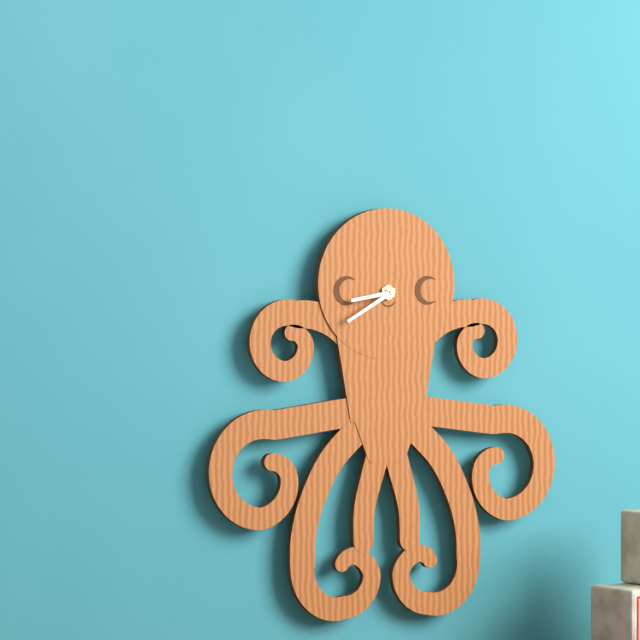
8:40
